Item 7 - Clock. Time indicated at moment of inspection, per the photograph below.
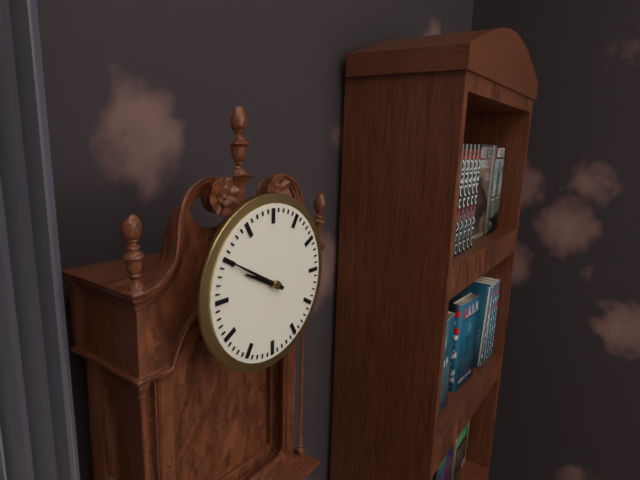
9:50
